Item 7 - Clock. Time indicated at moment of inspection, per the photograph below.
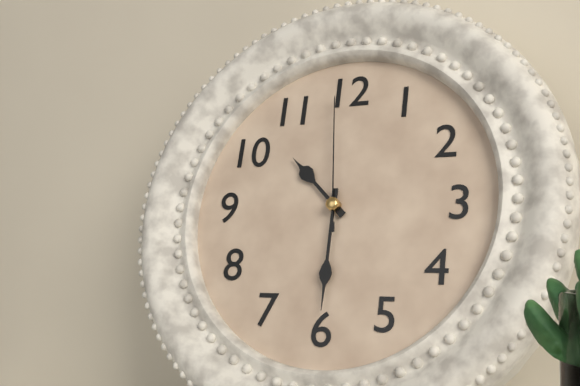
10:30:59
